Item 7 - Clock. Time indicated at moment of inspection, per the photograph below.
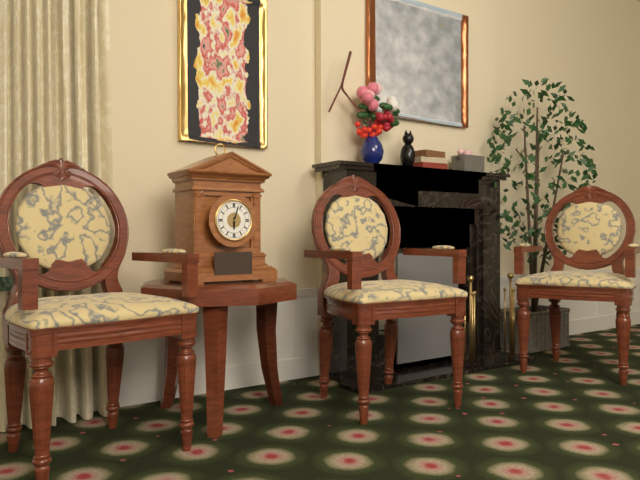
6:03
